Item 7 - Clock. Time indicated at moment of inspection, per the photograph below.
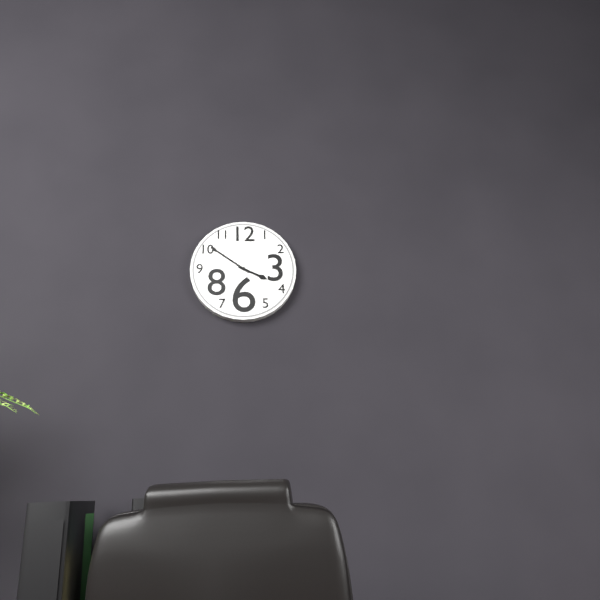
3:51
